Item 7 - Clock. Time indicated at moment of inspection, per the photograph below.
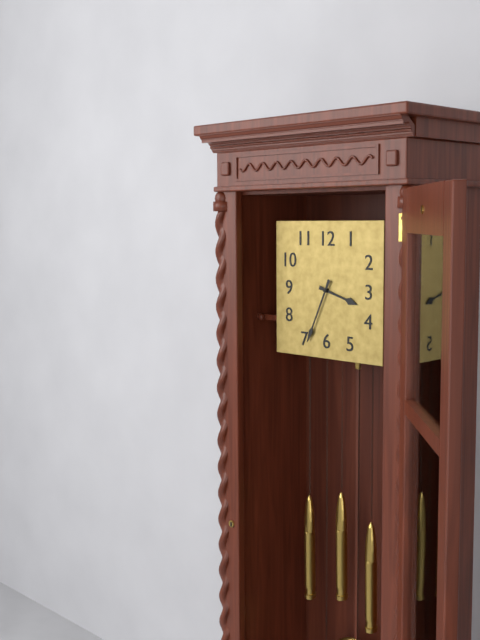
3:34
